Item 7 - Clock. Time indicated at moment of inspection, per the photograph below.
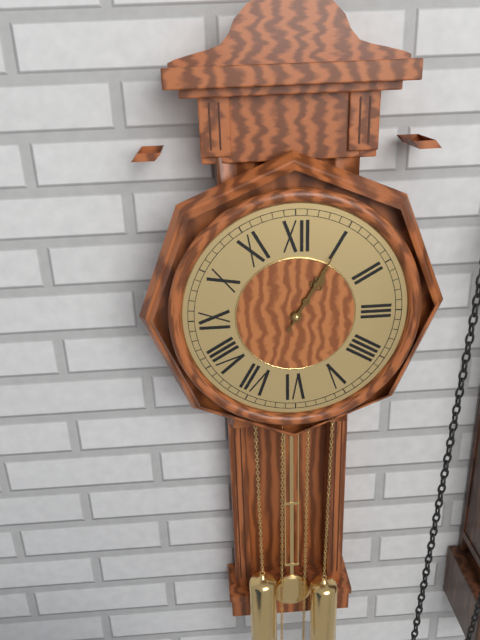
1:05
